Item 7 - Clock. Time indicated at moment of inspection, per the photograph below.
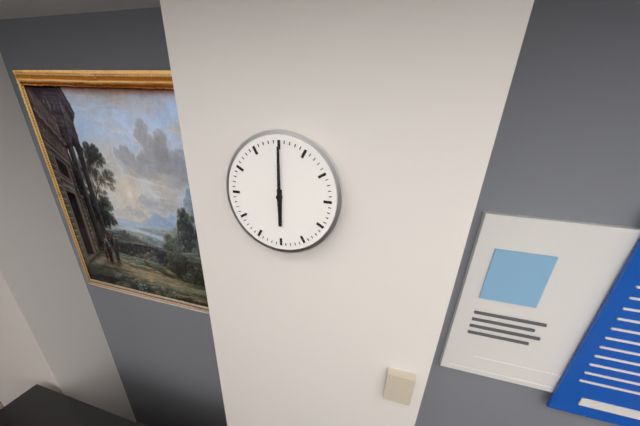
6:00
